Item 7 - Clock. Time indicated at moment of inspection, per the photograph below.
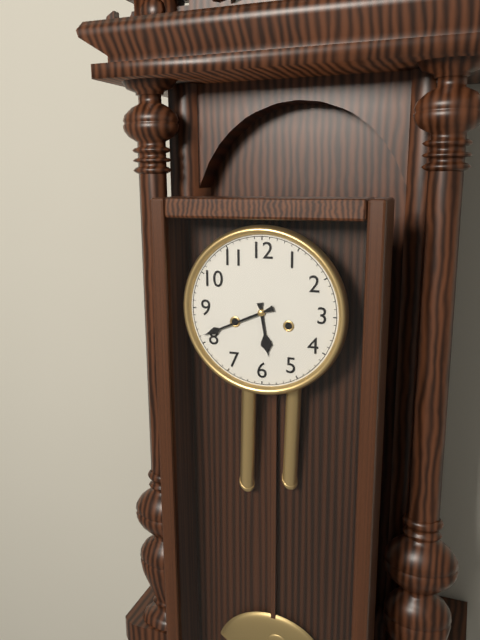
5:41
